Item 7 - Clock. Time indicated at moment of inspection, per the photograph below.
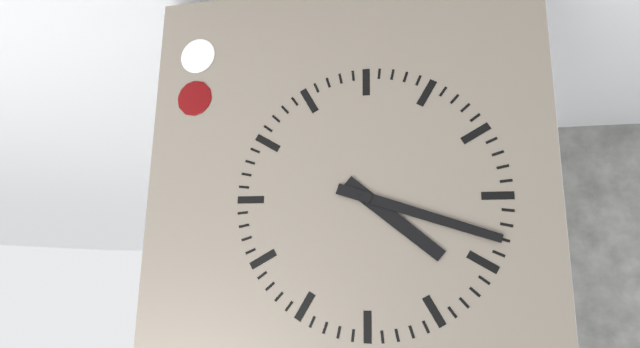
4:18
